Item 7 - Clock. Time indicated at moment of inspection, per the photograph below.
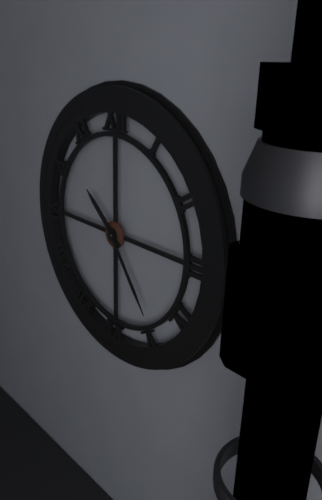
10:24
